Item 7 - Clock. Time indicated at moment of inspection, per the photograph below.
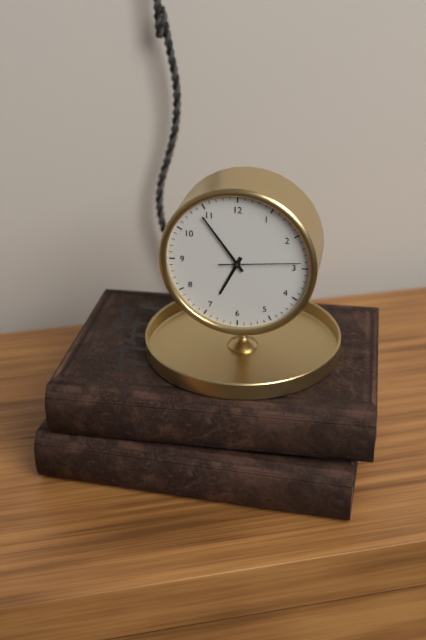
6:54:14
